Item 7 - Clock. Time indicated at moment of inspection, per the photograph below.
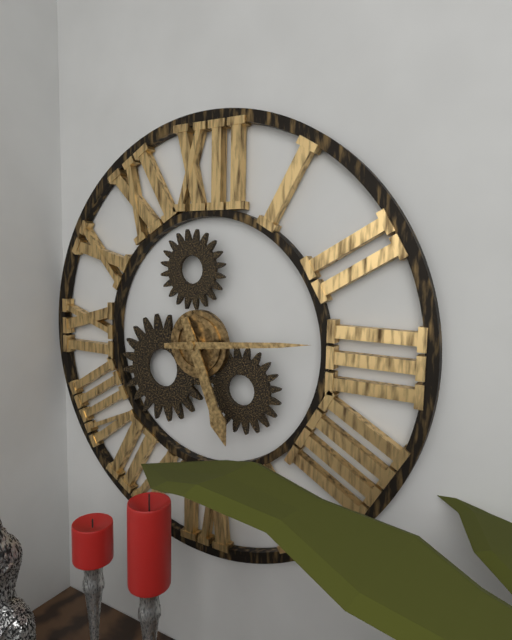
5:14
